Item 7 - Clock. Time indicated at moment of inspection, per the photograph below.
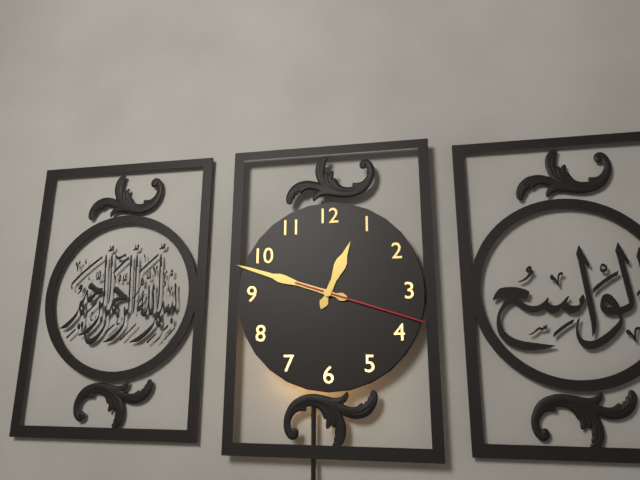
12:48:18
